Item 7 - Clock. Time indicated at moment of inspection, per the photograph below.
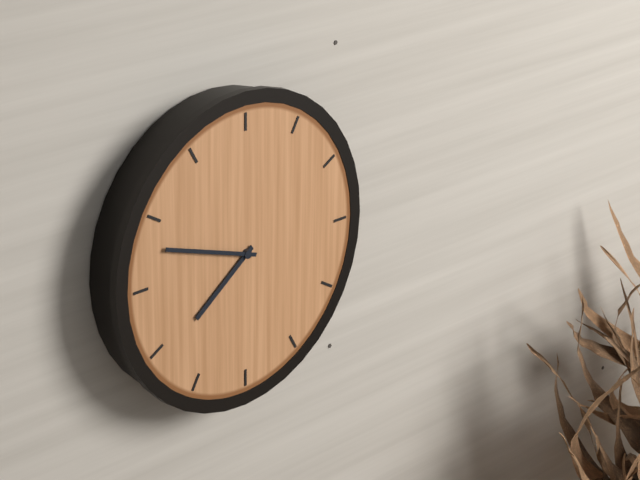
7:48
